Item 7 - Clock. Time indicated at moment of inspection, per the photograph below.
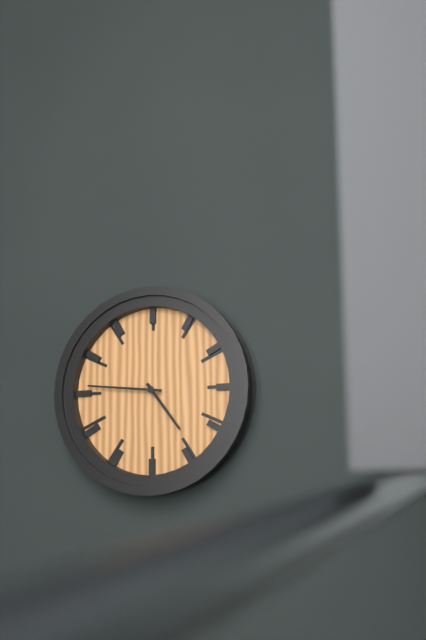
4:46
